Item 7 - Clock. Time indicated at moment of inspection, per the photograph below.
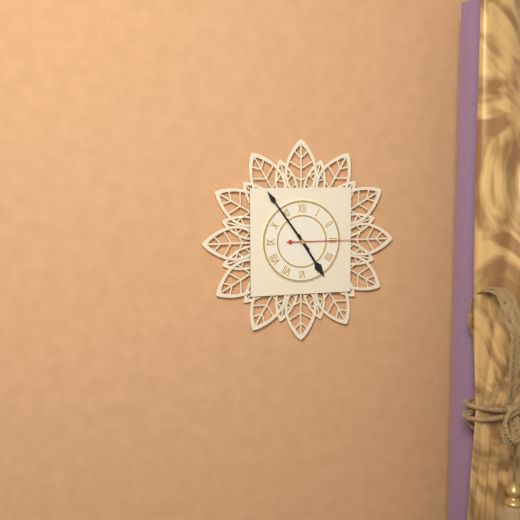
4:54:15
